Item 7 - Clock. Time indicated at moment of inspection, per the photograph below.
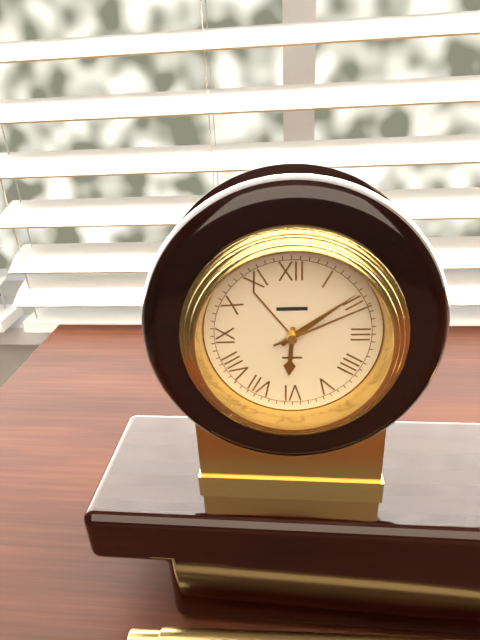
6:09:11
